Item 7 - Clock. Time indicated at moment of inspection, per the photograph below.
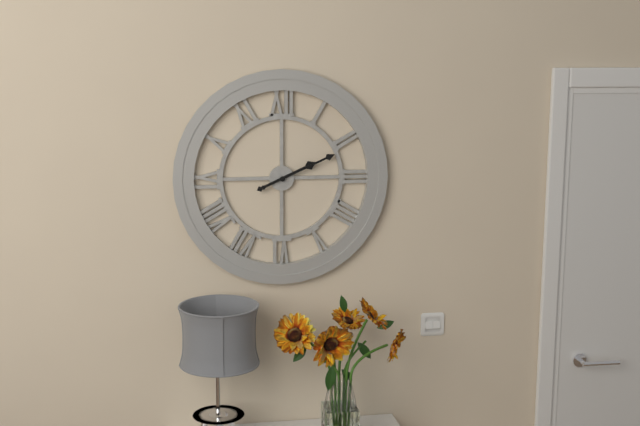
2:11
